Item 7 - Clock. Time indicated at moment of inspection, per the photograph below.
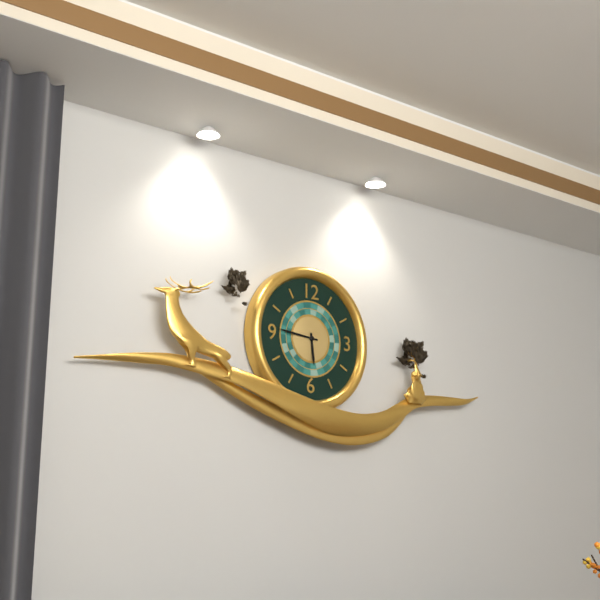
5:46
